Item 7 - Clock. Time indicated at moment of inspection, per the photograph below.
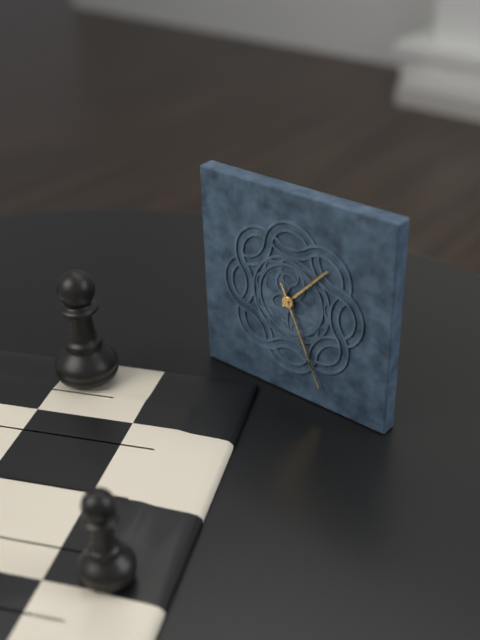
1:26
